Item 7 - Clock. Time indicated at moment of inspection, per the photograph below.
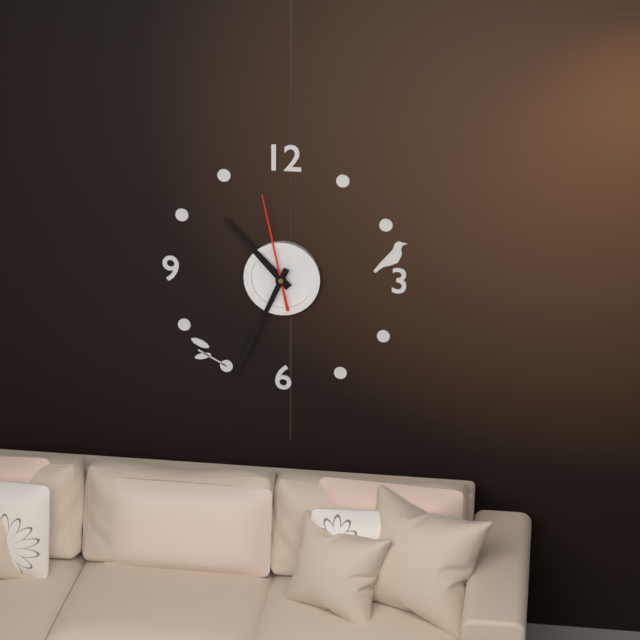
10:34:58
